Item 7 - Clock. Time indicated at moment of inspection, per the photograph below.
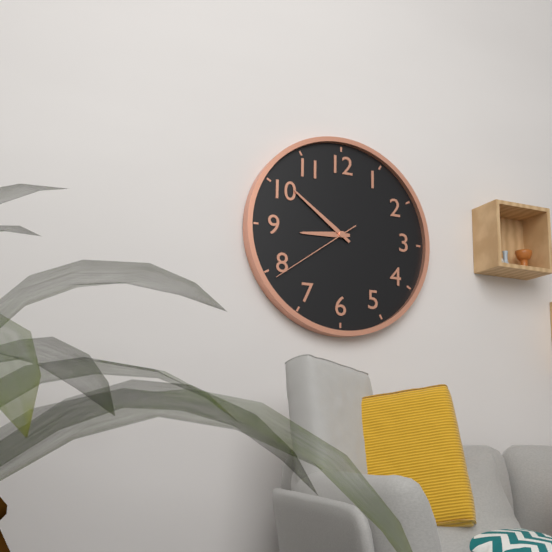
8:51:39
